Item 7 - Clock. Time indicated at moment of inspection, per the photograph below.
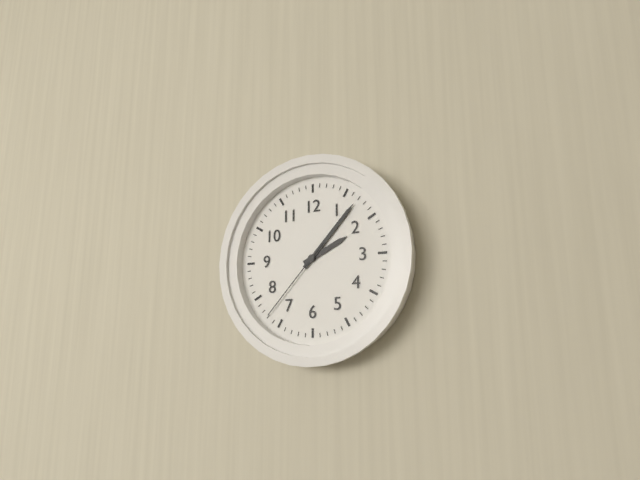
2:07:37
